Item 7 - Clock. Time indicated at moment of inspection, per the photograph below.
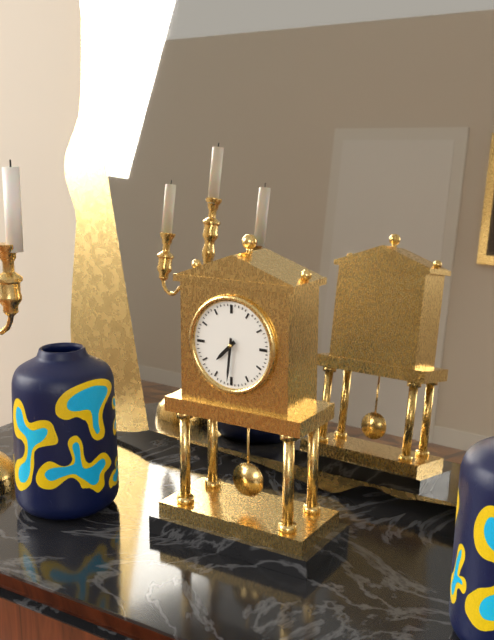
7:31
